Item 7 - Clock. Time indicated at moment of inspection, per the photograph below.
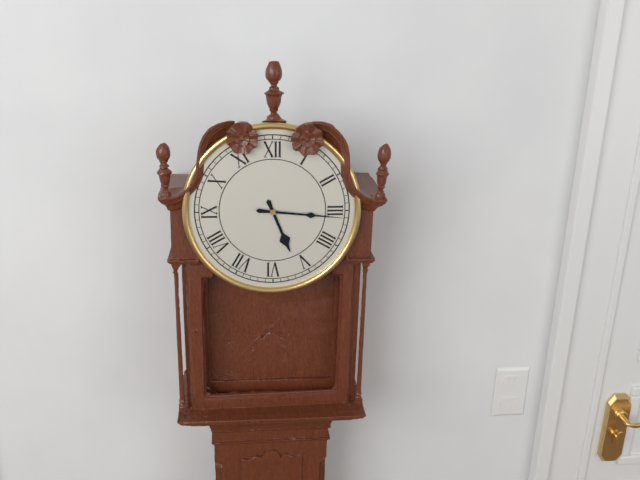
5:16
